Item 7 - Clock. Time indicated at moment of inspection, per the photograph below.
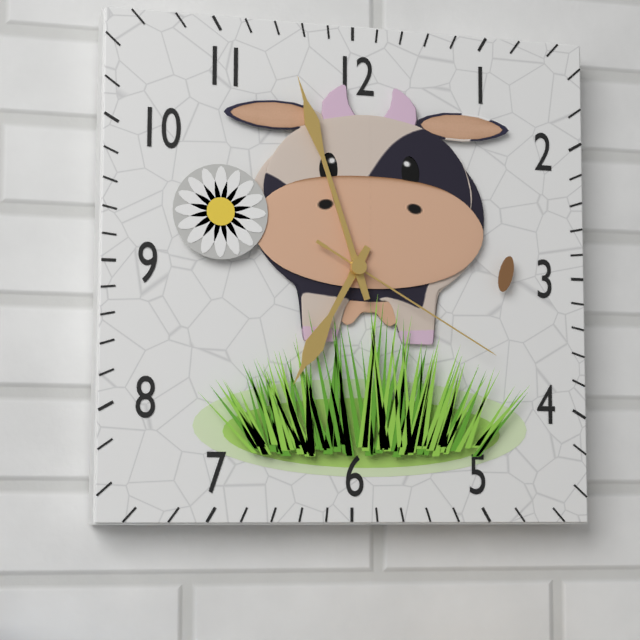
6:57:20
